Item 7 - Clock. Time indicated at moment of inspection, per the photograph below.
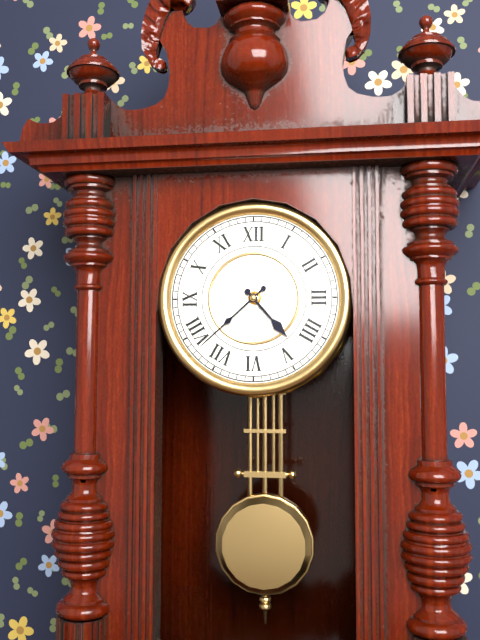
4:38
